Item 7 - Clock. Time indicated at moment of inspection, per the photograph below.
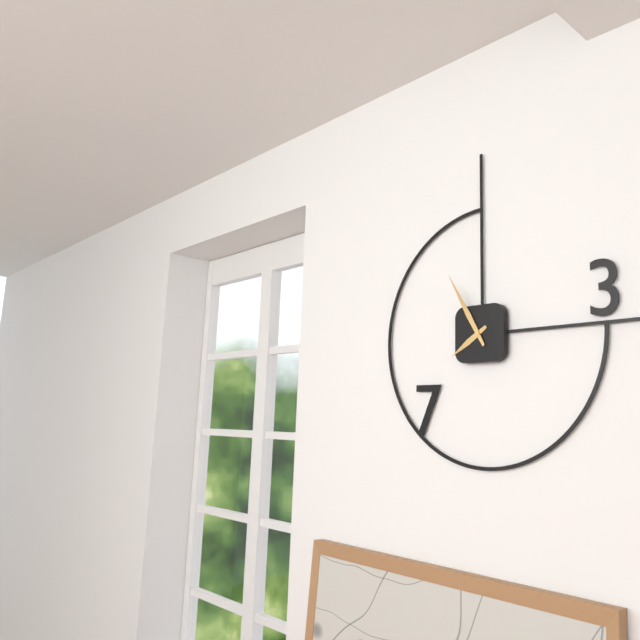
7:55
